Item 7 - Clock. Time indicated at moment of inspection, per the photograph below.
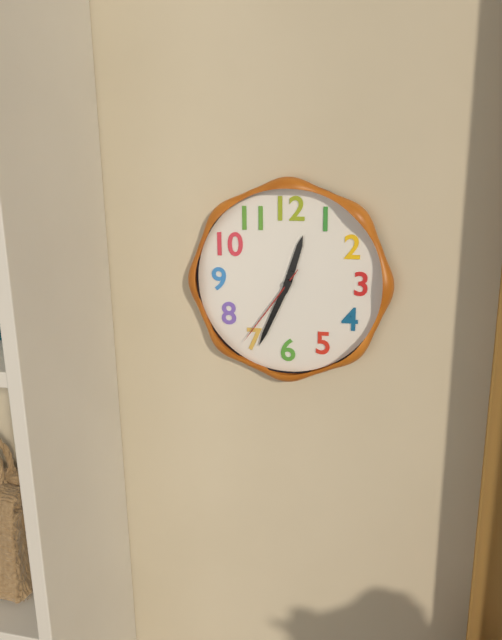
12:34:36
